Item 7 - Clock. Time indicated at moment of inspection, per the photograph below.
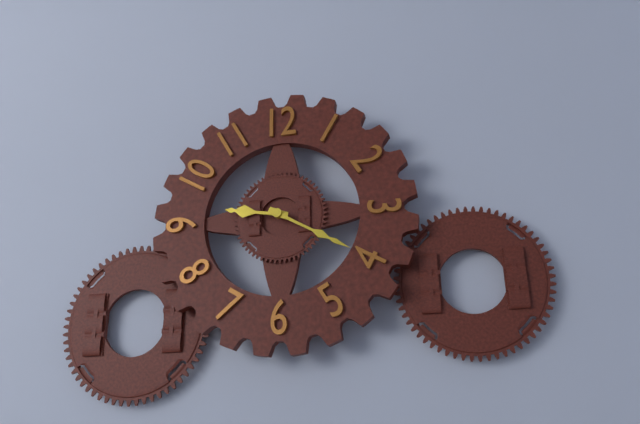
9:20
